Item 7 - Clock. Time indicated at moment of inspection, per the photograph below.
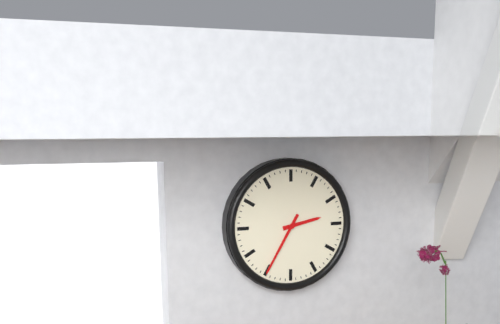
2:35
